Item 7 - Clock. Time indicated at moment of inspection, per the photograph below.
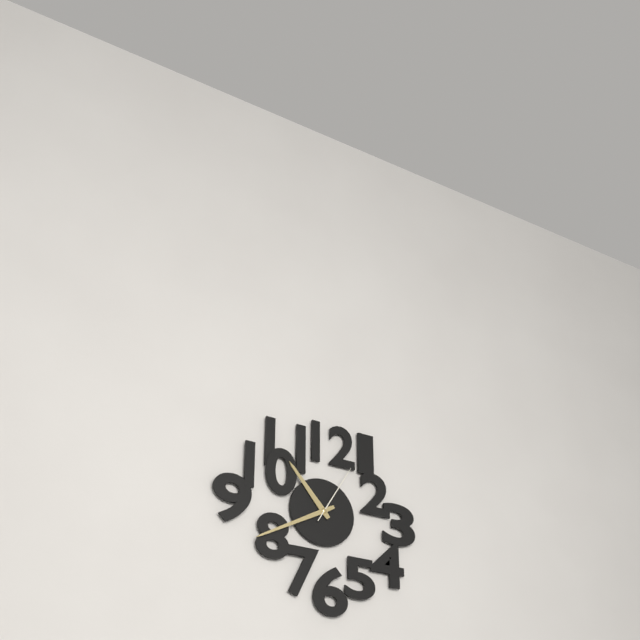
10:40:05
